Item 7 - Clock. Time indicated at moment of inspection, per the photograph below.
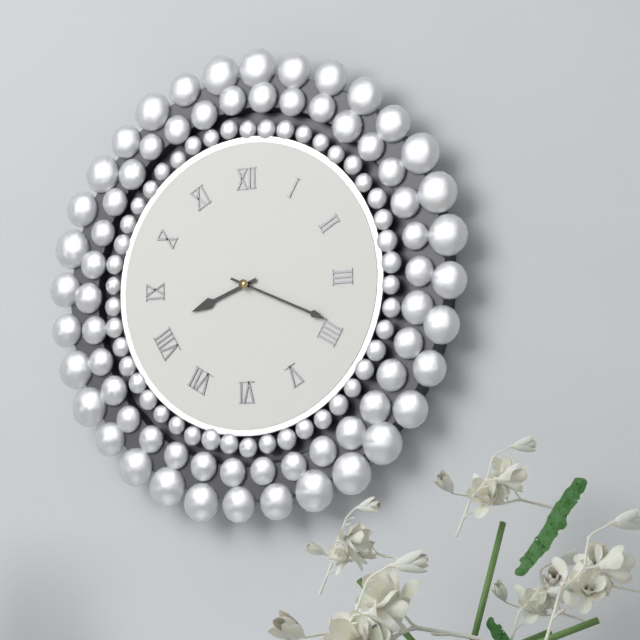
8:19
